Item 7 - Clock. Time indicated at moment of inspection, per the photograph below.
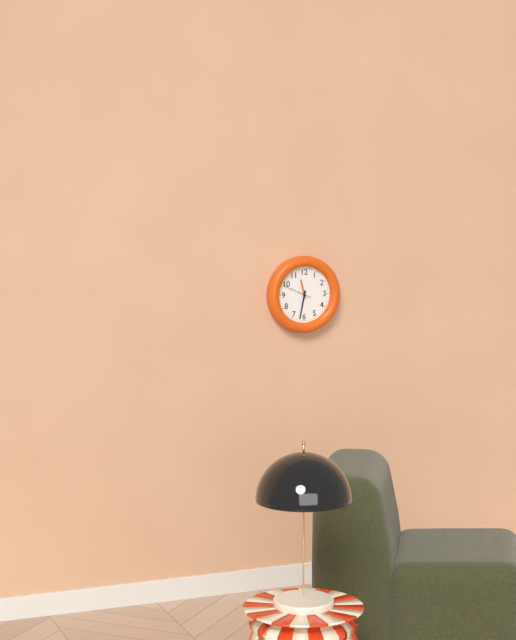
11:32
